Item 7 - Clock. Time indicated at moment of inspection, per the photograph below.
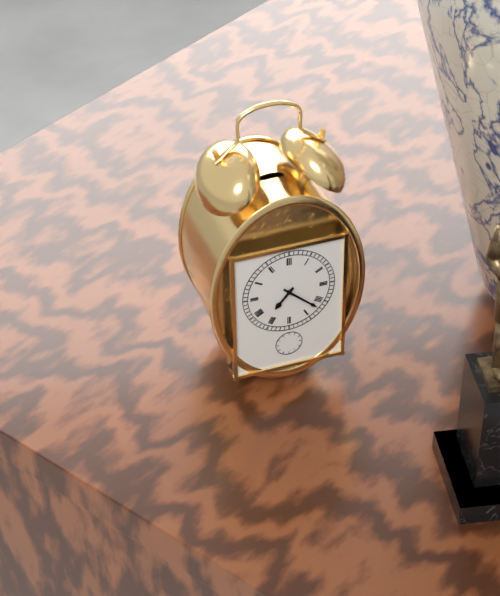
7:22
